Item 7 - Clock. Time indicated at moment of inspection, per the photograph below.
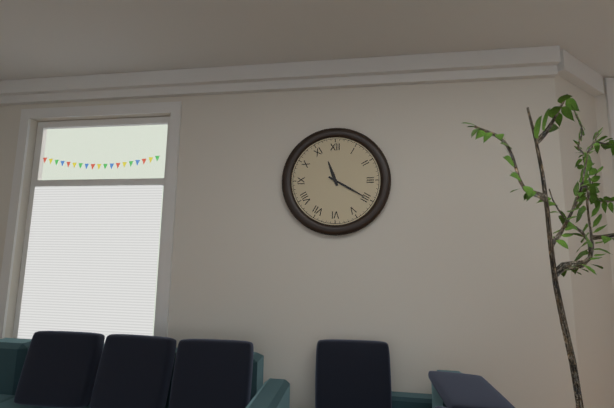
11:20
